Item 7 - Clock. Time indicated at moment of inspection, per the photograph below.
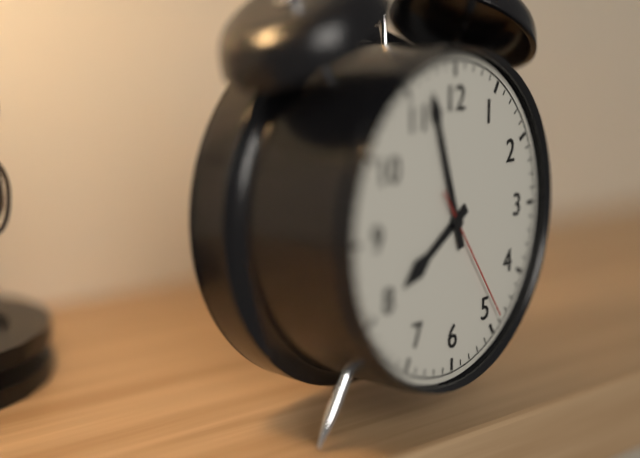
7:57:24
